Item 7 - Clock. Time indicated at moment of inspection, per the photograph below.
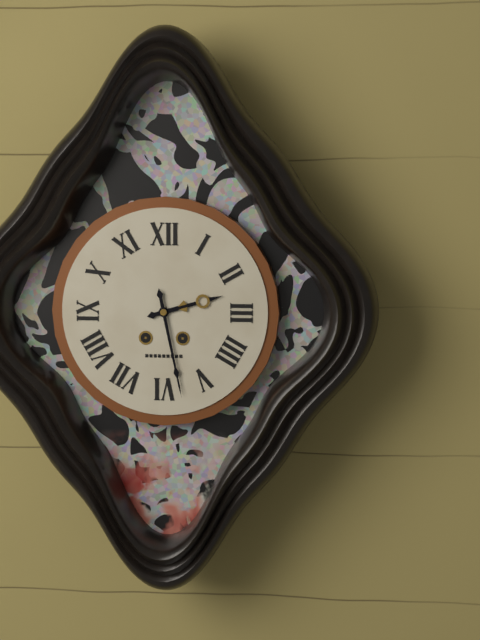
2:28
